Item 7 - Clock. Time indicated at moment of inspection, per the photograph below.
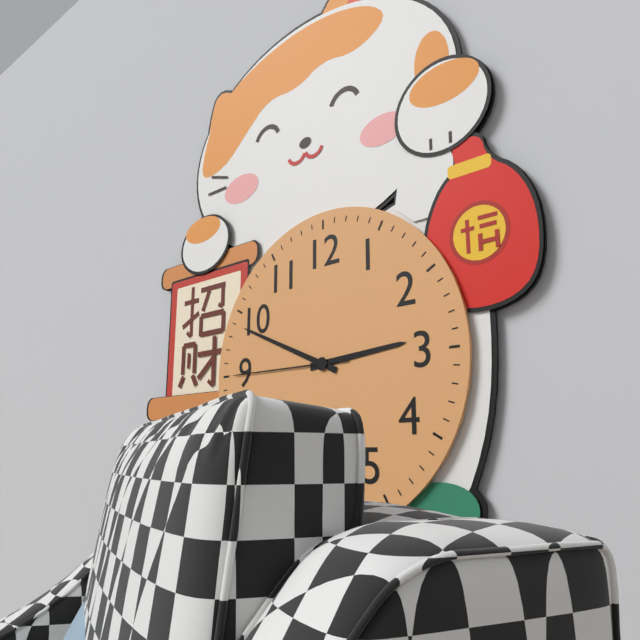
2:49:45
